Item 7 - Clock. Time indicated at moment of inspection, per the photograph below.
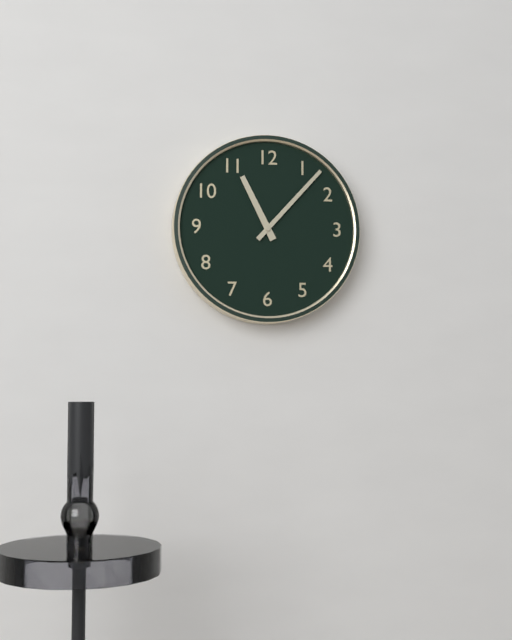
11:07
